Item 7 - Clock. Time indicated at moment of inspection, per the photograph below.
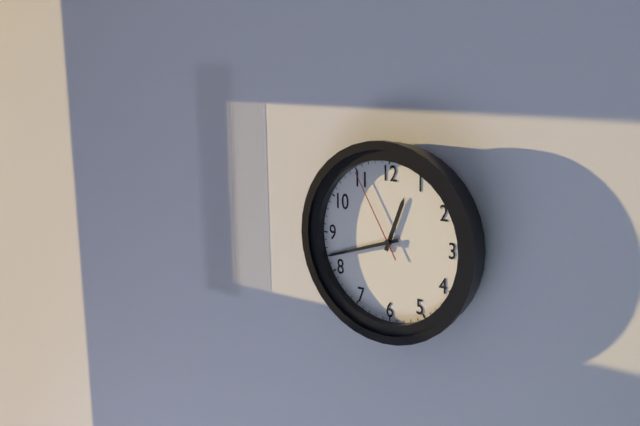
12:42:55
